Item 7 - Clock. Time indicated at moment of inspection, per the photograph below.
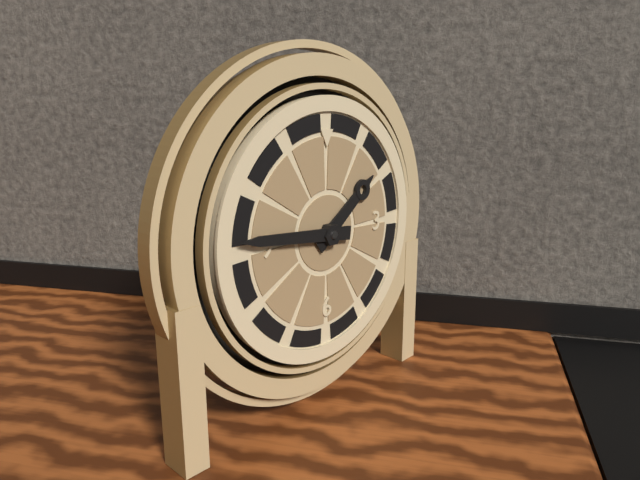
1:46
